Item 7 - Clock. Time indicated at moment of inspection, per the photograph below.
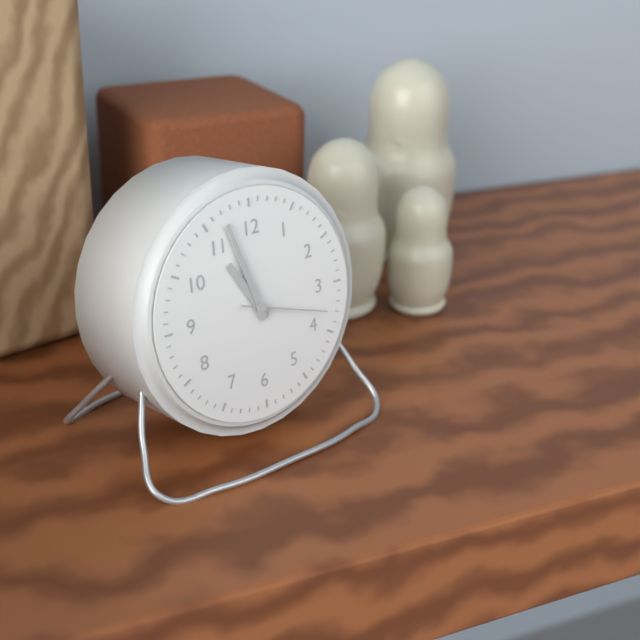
10:57:18
